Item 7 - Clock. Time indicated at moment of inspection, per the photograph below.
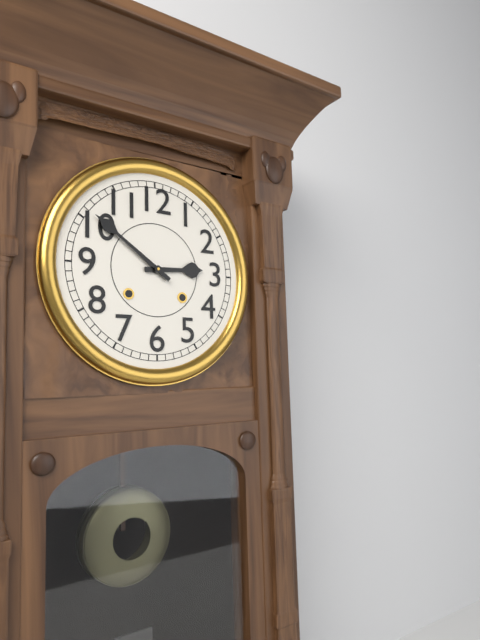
2:51
